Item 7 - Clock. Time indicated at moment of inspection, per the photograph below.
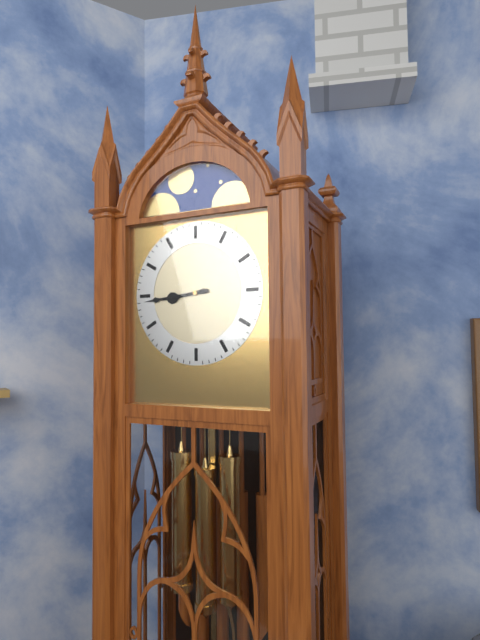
8:44
